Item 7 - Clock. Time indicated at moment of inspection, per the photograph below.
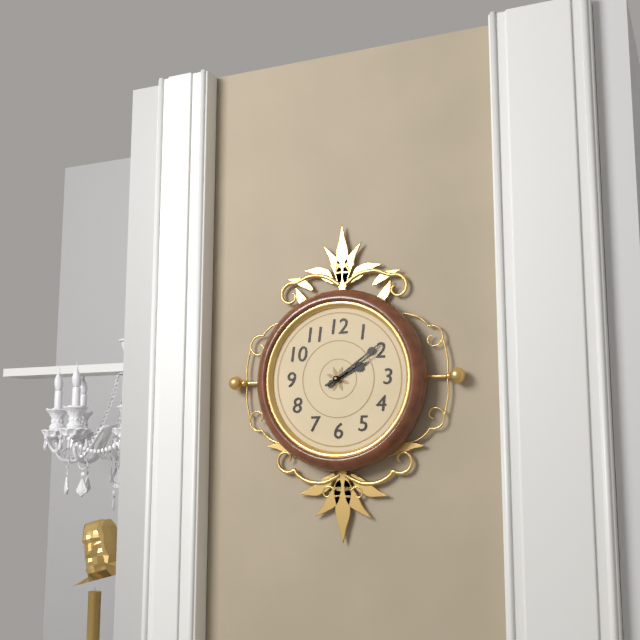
2:09:10
